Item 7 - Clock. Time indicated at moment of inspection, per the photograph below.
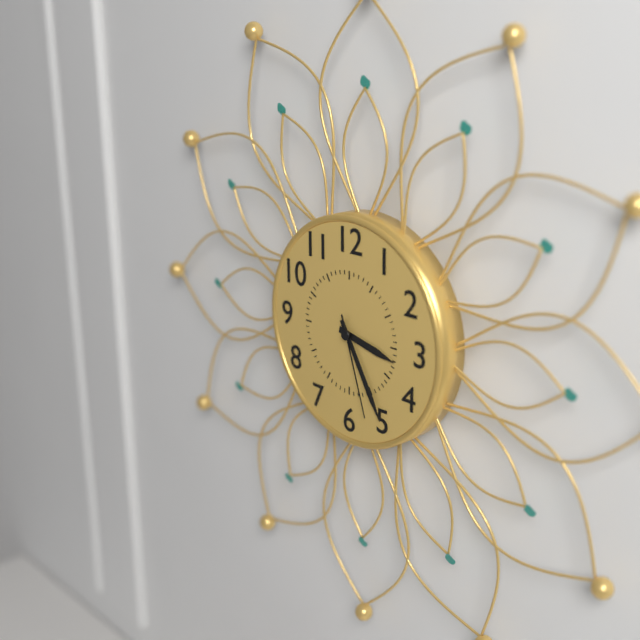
3:25:27
